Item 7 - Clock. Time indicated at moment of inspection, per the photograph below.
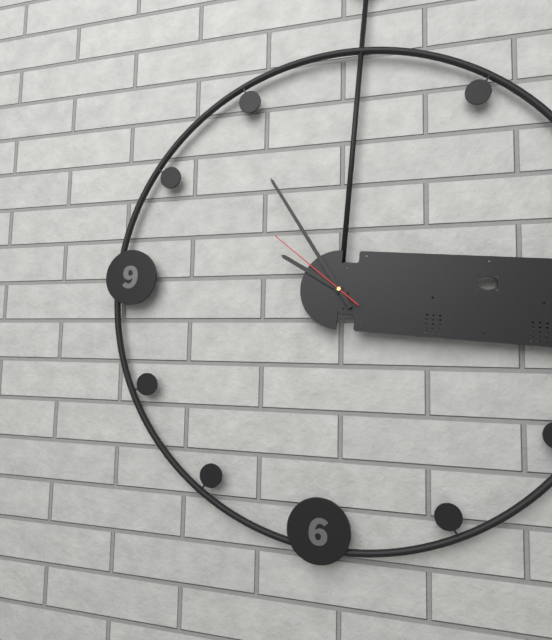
9:54:51
